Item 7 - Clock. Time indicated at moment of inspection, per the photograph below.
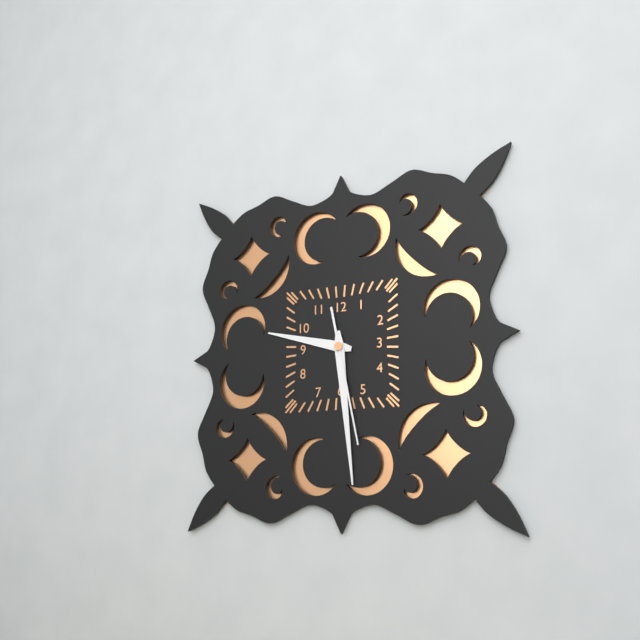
9:29:28
